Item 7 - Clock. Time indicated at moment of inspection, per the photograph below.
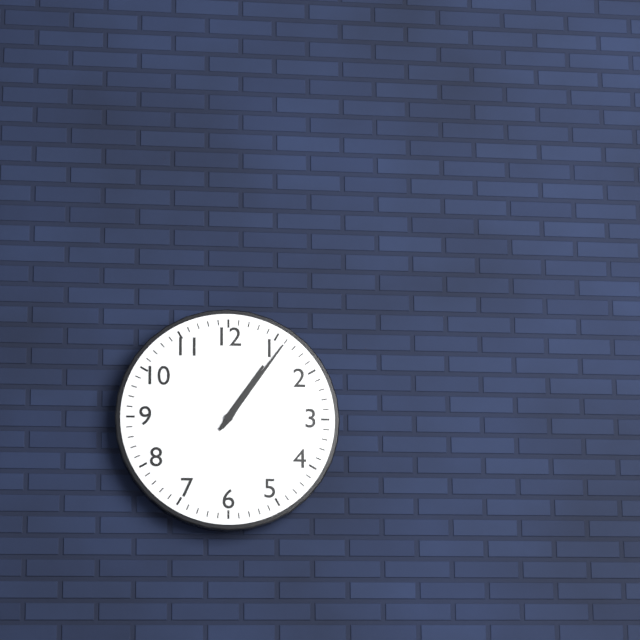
1:06
